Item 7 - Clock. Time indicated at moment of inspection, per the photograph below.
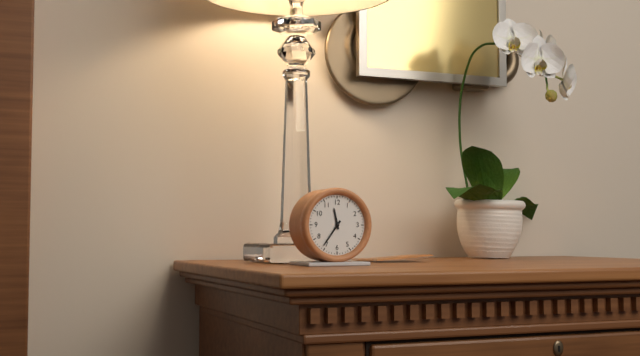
11:36
